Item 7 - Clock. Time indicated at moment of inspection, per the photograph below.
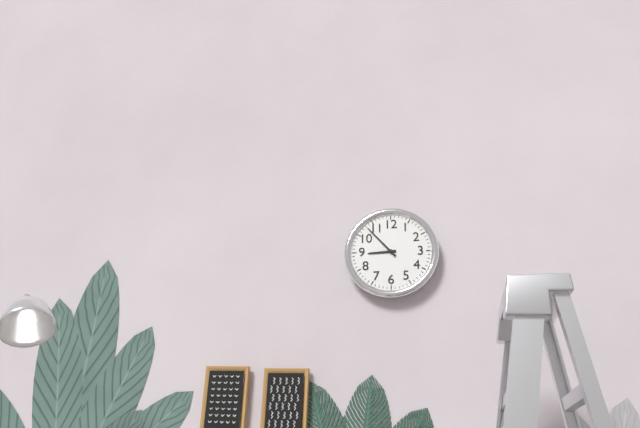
8:53
